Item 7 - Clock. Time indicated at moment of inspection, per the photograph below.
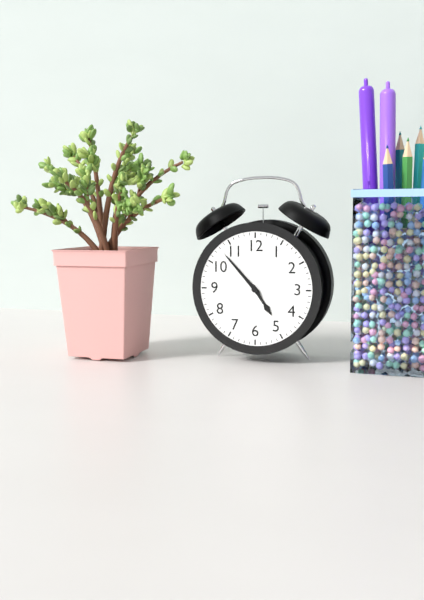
4:53
